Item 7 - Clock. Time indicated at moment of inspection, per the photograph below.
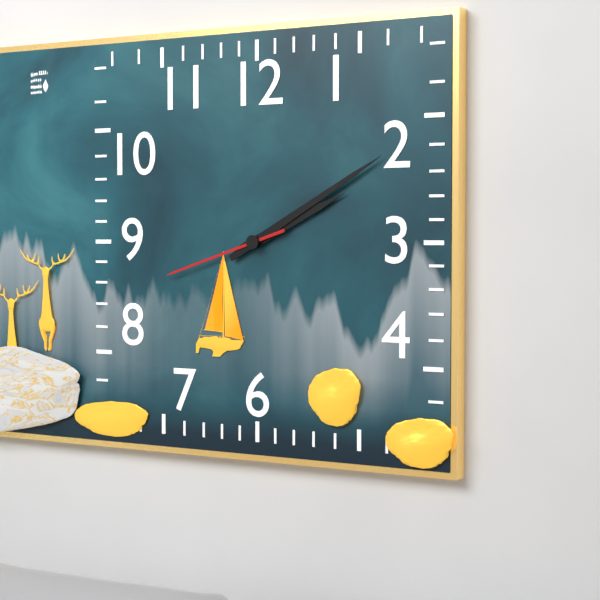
2:10:42
